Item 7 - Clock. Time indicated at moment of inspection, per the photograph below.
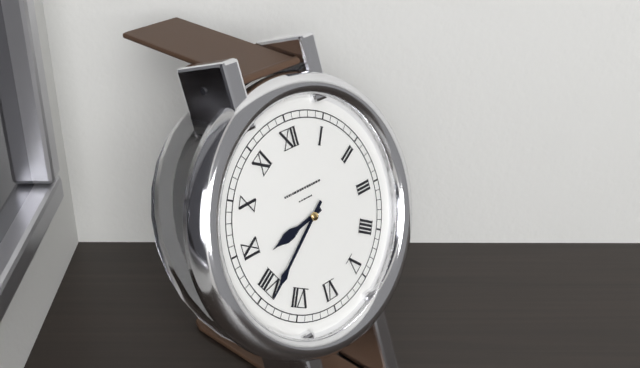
8:39
